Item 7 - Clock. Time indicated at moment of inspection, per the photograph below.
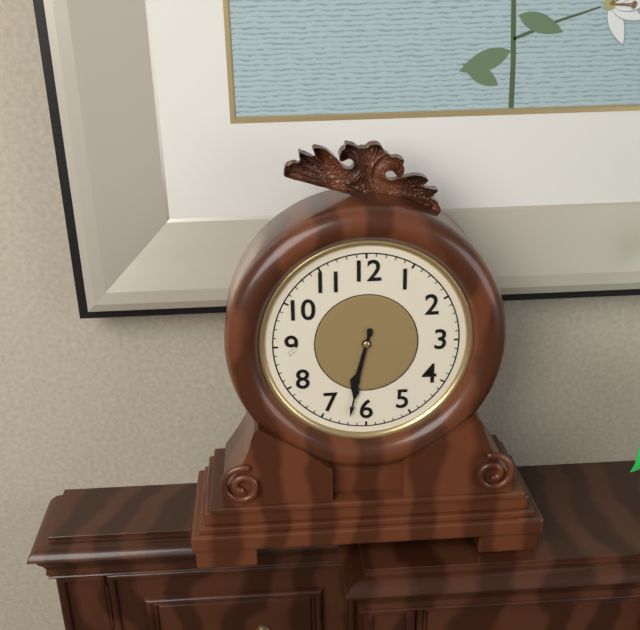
6:32
